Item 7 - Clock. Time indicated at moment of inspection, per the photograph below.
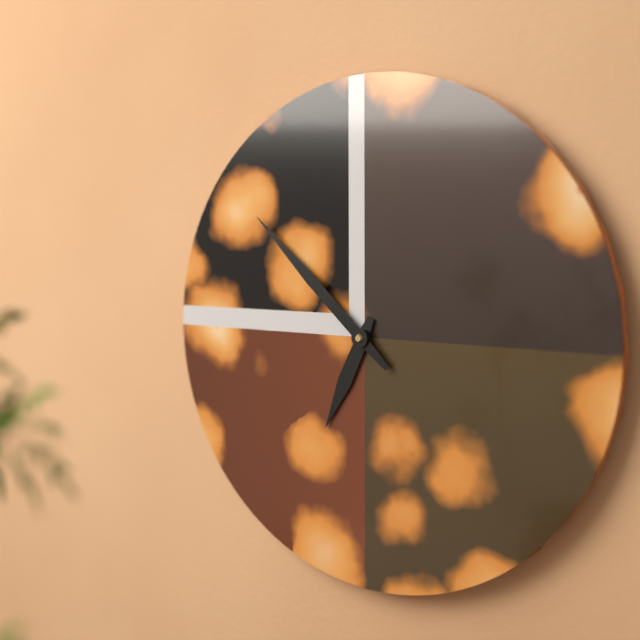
6:52
